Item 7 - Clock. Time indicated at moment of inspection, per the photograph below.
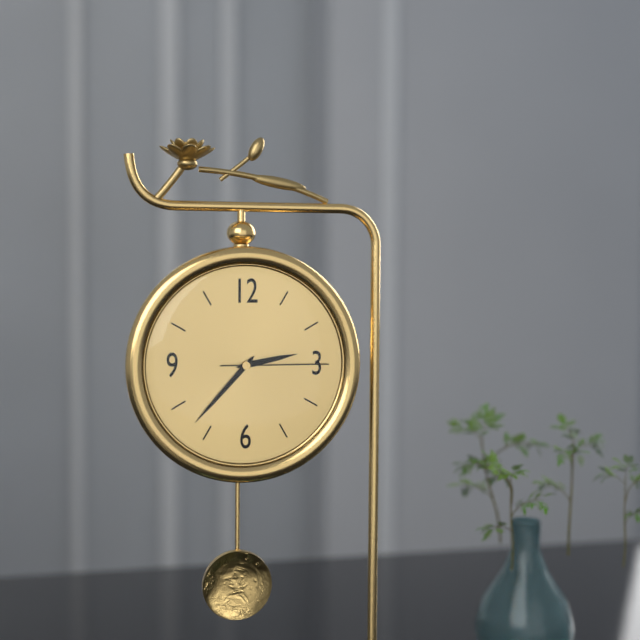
2:37:15
